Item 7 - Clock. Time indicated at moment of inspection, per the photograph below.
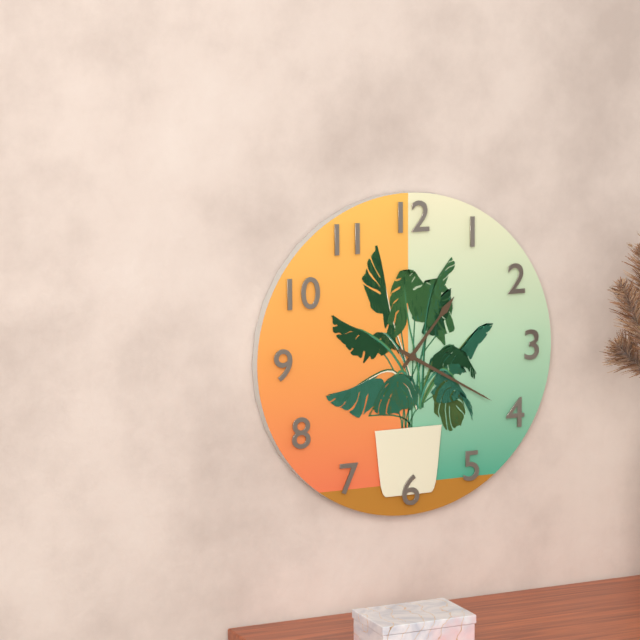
1:20
